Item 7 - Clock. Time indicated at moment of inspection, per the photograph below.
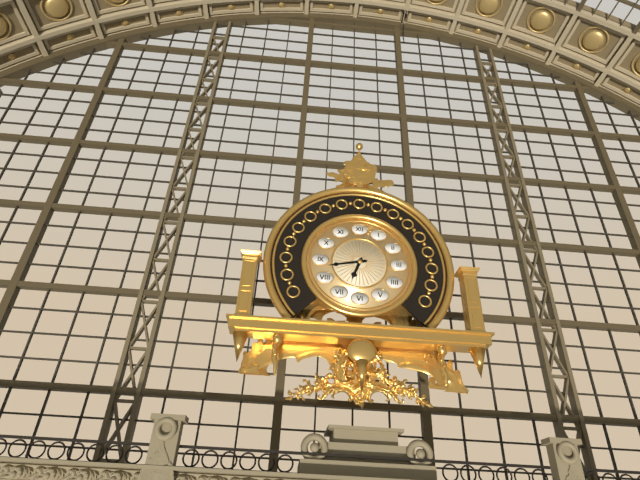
6:43
